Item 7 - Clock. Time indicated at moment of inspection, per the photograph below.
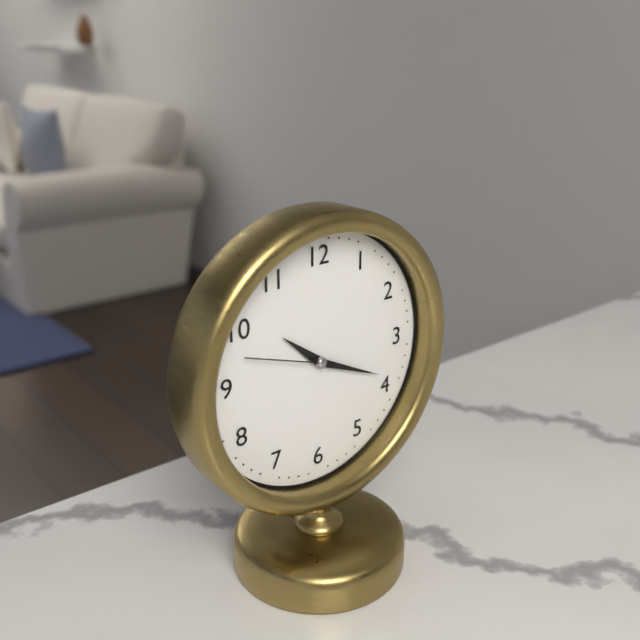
10:19:48
